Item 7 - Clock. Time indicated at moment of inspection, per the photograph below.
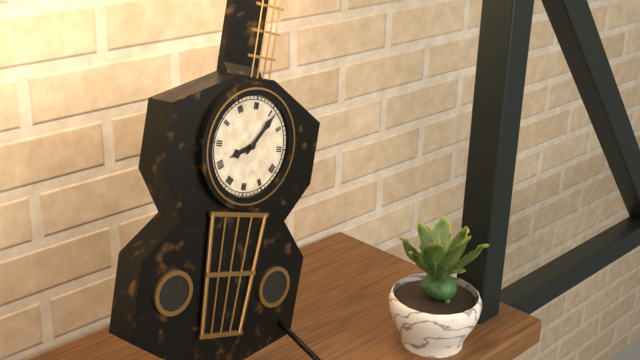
8:06
